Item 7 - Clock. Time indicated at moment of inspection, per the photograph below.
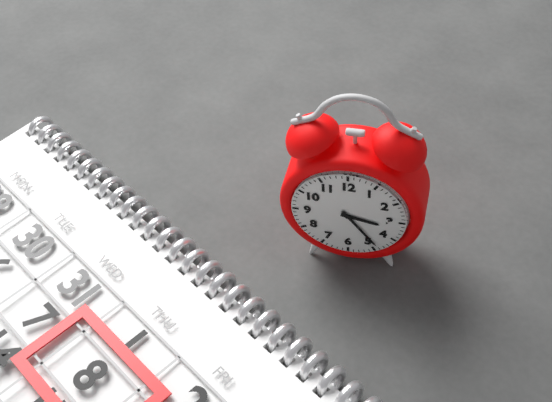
3:24
